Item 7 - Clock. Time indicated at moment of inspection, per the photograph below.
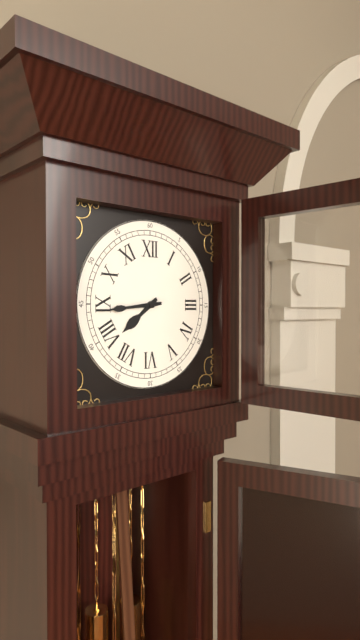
7:44
